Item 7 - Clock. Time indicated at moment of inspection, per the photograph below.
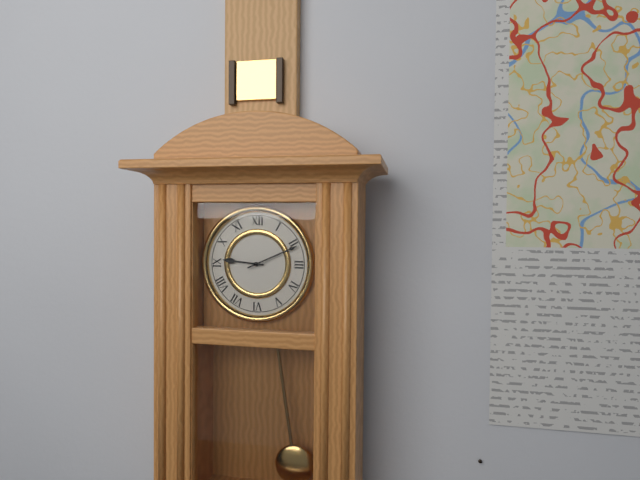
9:11
